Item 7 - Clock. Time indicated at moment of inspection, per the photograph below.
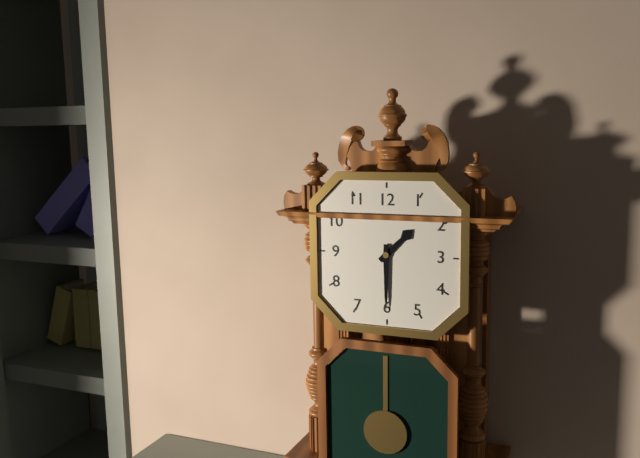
1:30
